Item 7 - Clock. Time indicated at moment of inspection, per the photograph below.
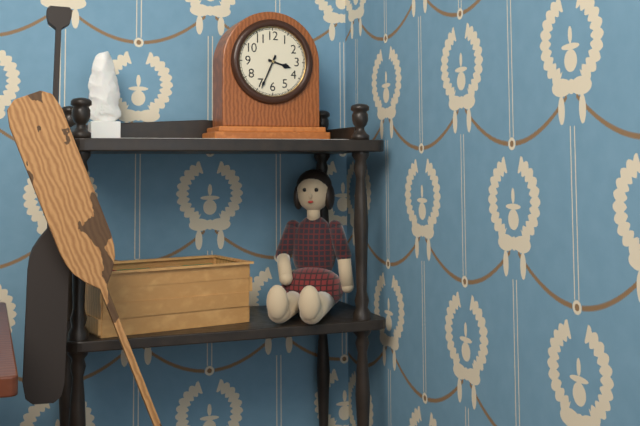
3:34
